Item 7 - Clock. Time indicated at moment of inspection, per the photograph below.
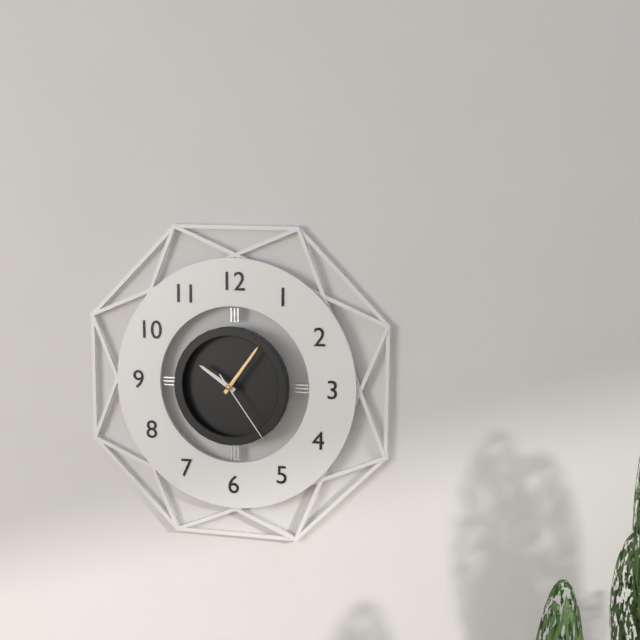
10:06:24
